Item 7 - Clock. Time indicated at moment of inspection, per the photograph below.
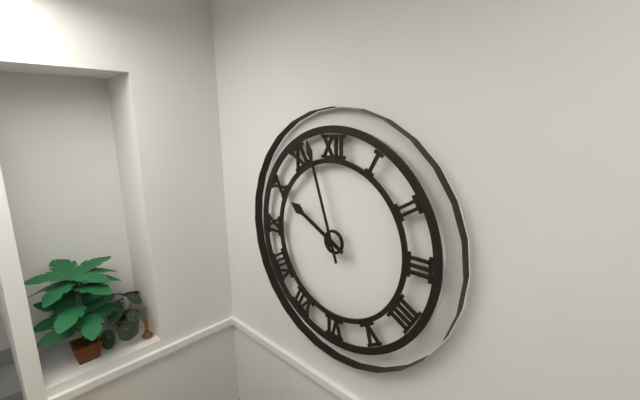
9:57
